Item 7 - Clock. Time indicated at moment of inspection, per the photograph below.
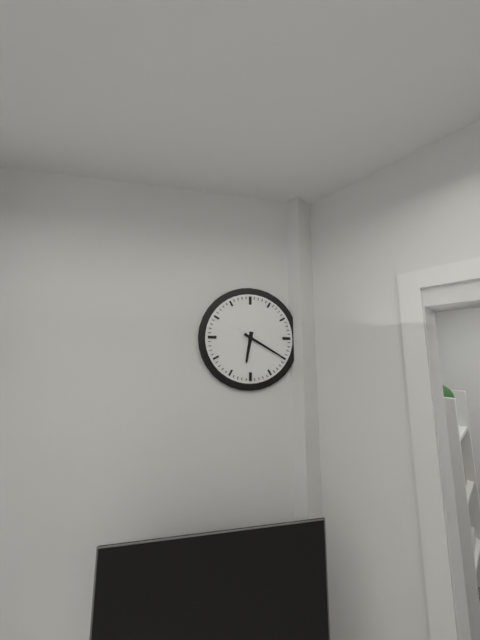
6:20
